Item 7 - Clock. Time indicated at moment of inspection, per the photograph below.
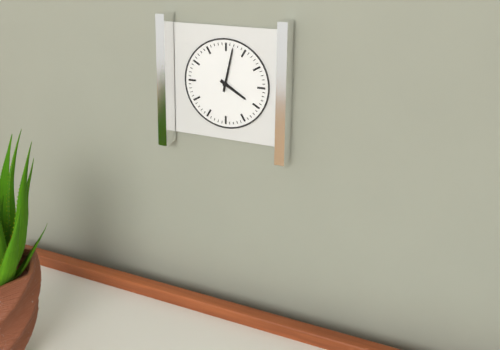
4:02
